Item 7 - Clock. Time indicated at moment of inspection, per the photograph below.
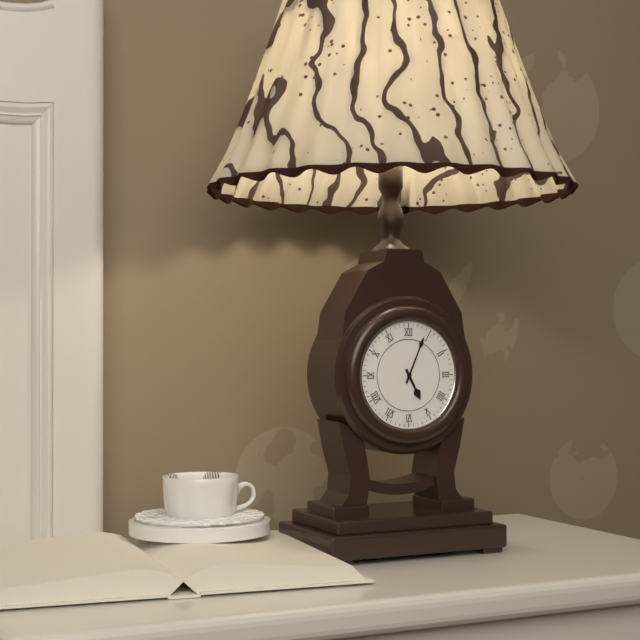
5:04
